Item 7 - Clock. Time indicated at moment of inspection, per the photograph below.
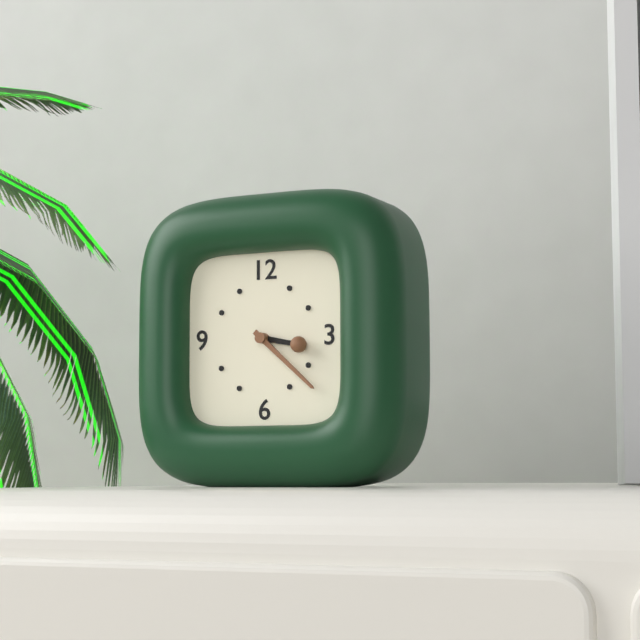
3:22
